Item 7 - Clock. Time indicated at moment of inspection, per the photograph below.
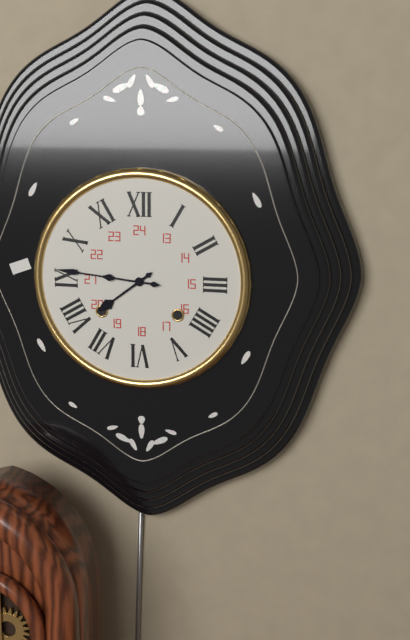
7:46
